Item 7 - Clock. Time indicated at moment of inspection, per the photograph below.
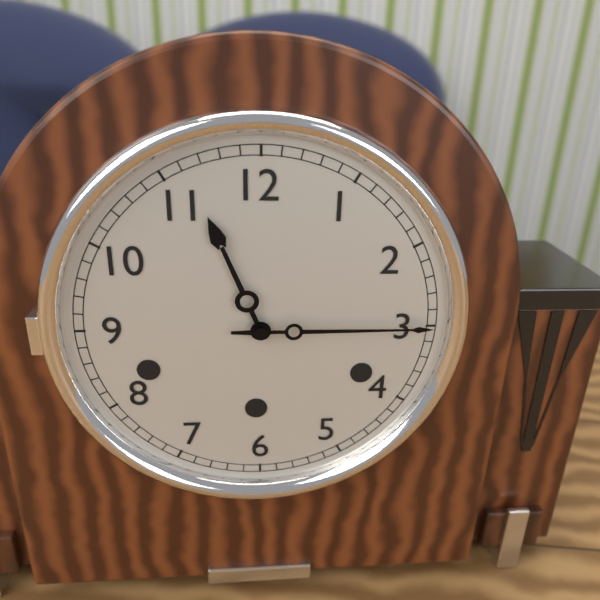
11:15
